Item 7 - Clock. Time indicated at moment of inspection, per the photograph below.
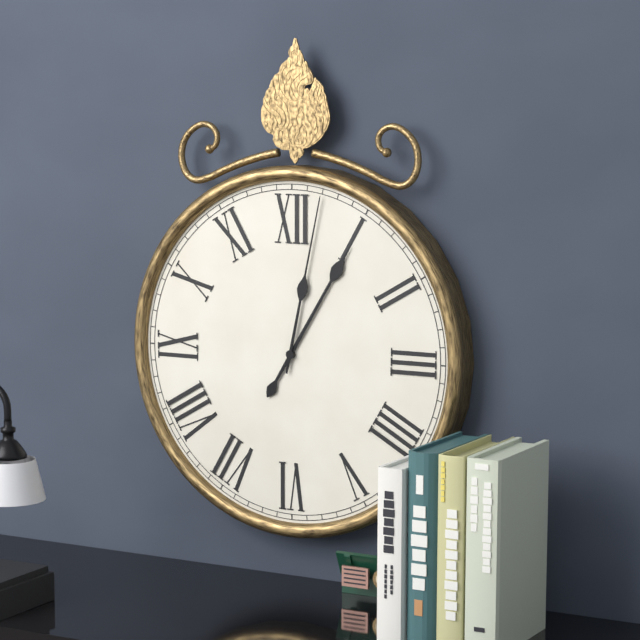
1:02
